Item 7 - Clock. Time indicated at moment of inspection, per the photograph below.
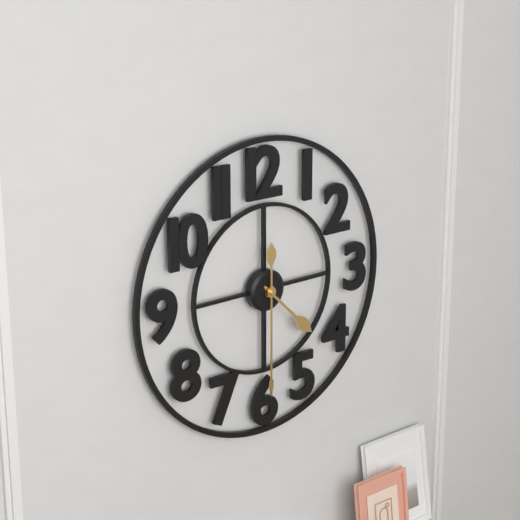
4:30
